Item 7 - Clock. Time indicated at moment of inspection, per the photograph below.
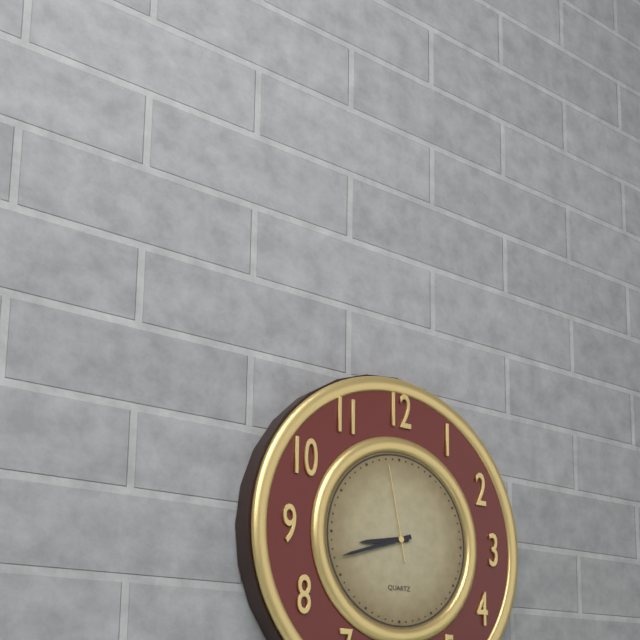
8:42:58
